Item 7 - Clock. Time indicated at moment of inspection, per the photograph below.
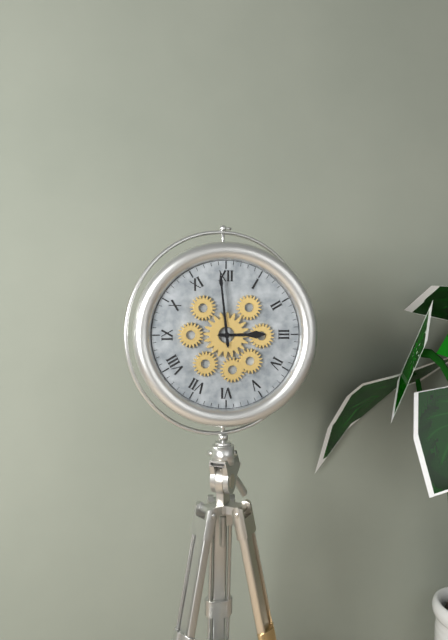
2:59
